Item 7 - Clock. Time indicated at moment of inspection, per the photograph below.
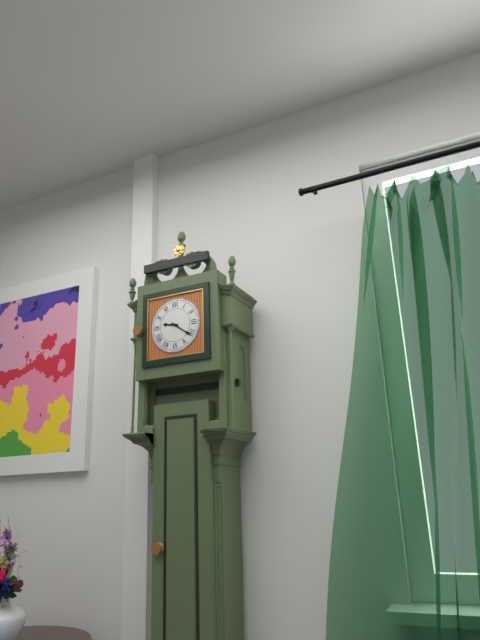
9:21
